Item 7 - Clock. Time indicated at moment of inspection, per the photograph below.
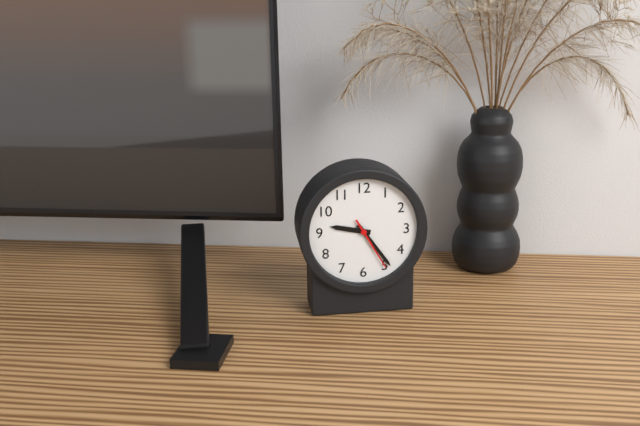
9:24:25
